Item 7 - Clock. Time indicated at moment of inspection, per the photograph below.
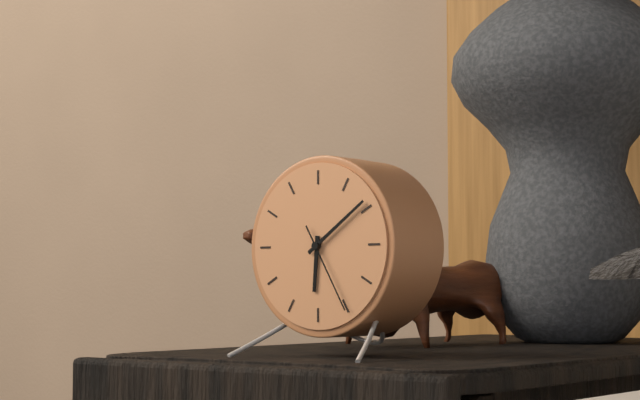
6:09:25
